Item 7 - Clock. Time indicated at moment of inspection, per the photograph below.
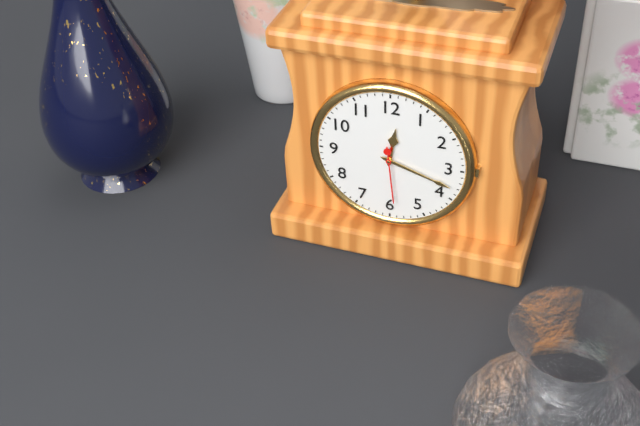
12:18:29
